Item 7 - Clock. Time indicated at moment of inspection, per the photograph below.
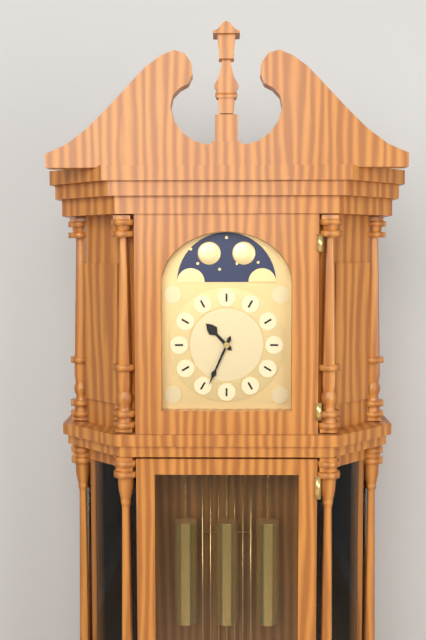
10:34
